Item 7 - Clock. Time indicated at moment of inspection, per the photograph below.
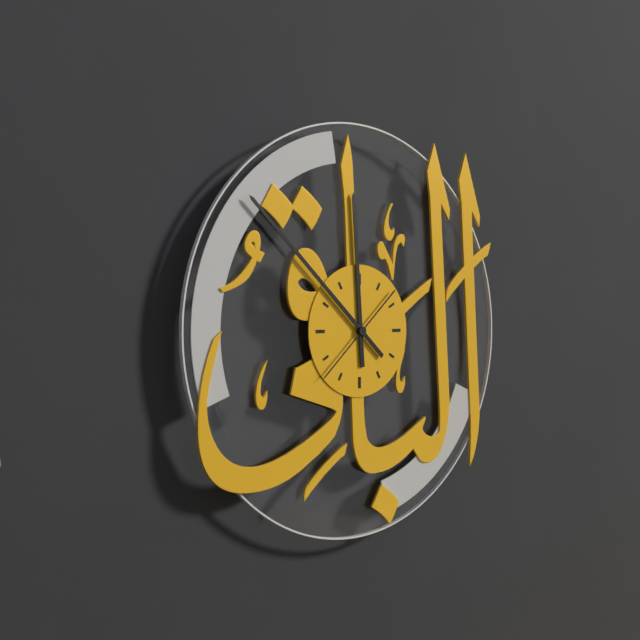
11:52:38
